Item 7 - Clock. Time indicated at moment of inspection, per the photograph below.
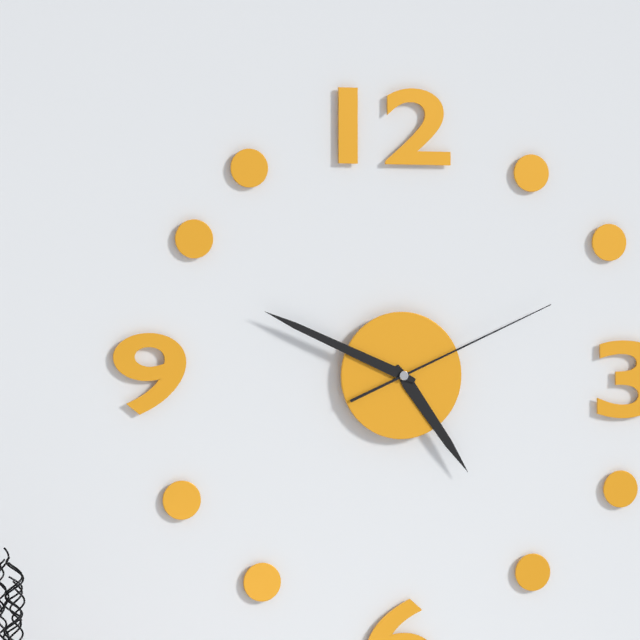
4:49:11
